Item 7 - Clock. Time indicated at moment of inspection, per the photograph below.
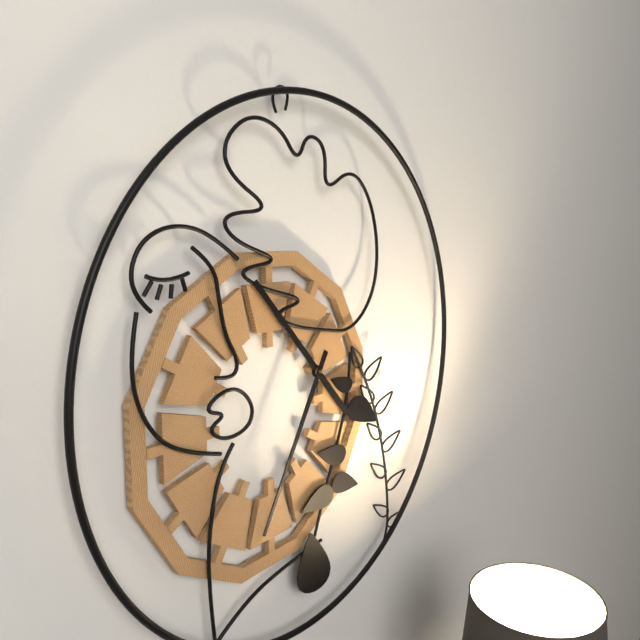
10:35
